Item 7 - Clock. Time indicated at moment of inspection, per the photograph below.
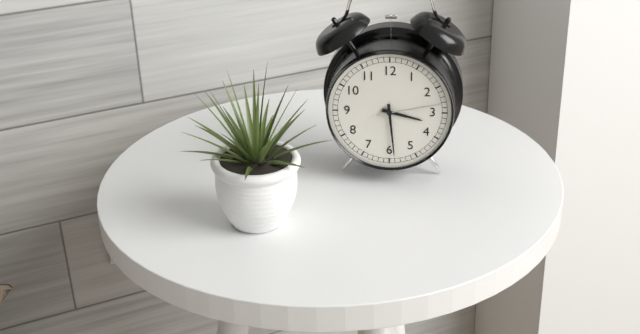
3:29:13
